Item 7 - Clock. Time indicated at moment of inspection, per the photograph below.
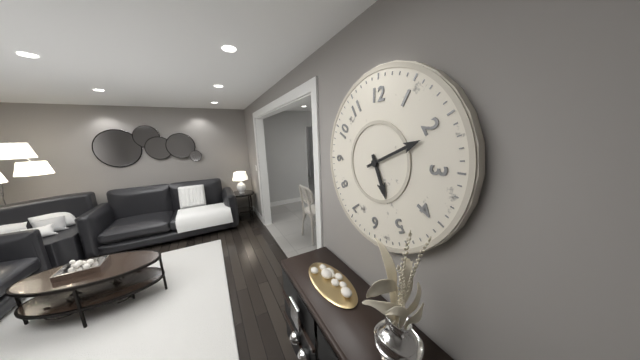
5:11
